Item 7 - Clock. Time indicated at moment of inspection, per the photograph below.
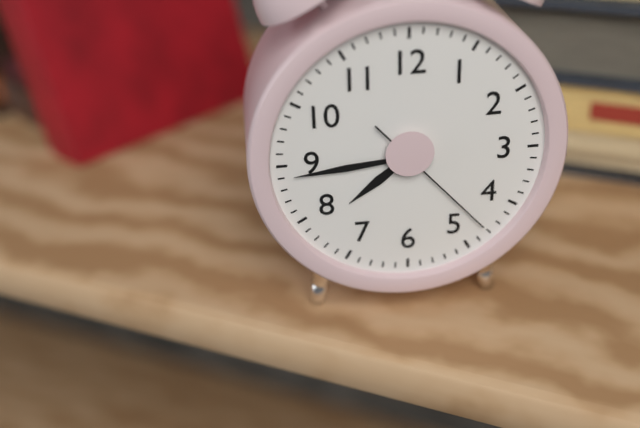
7:44:23
